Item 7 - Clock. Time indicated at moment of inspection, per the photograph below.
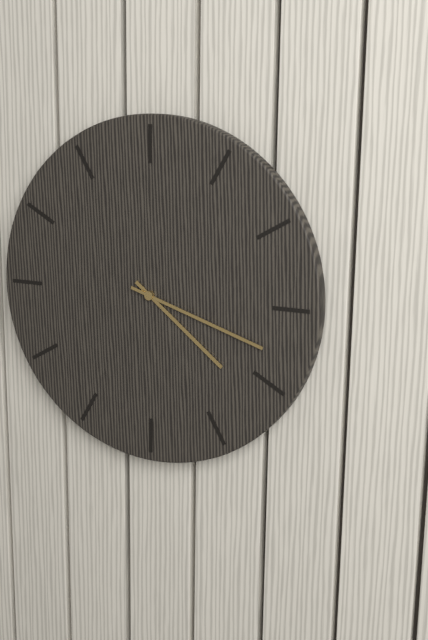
4:18
